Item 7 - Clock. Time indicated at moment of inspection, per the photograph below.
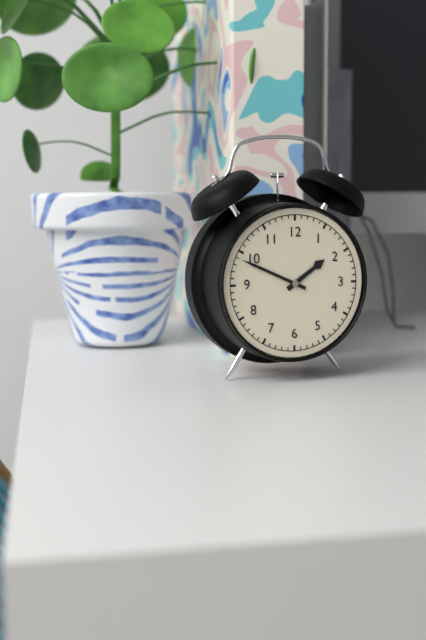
1:49
